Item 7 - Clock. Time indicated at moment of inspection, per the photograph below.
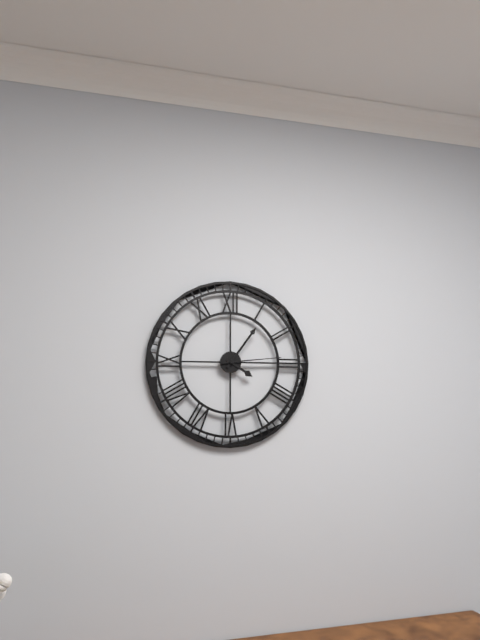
4:06:14
